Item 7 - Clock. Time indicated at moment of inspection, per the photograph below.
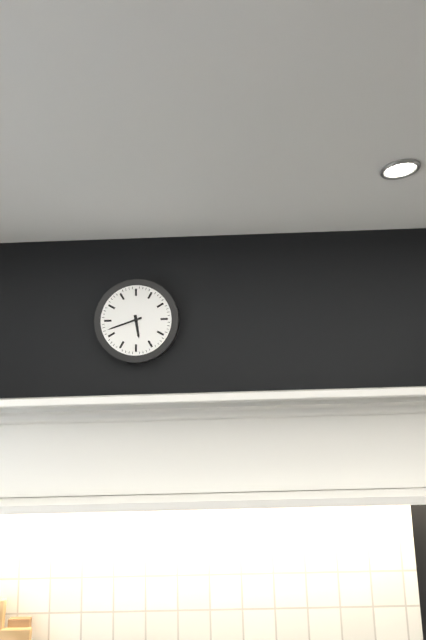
5:42
